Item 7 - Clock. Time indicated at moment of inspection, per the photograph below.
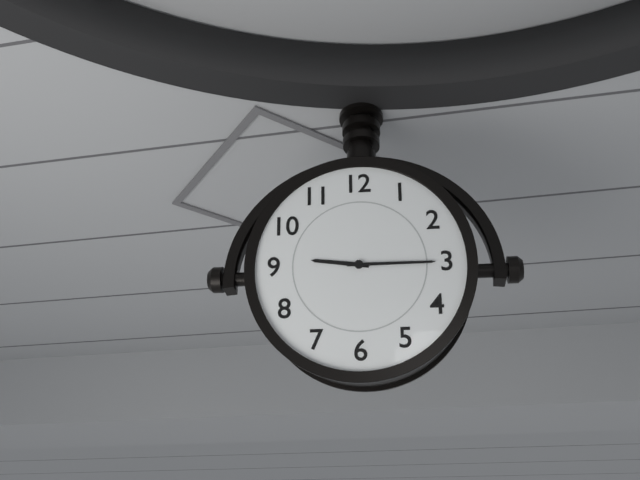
9:15
